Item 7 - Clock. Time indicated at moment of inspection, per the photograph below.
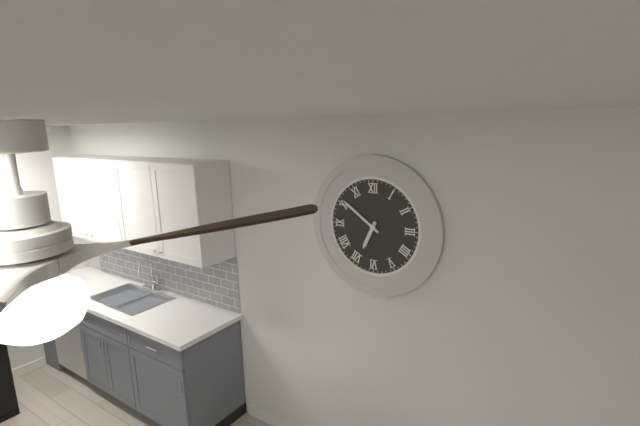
6:51
